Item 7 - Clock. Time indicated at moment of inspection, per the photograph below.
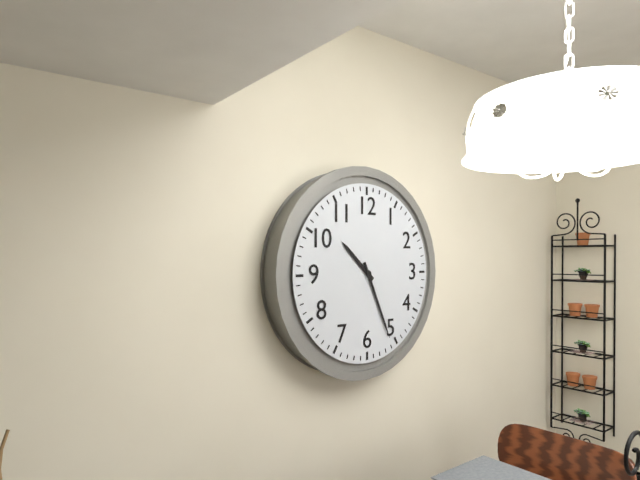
10:26
